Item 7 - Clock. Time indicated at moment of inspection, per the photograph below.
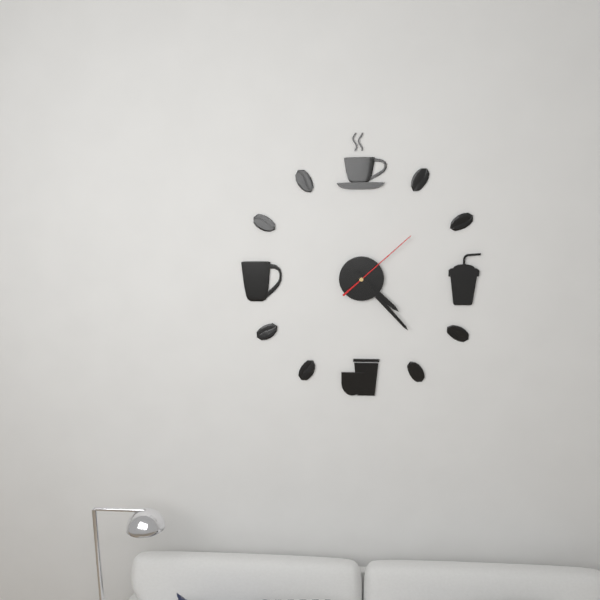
4:23:08
